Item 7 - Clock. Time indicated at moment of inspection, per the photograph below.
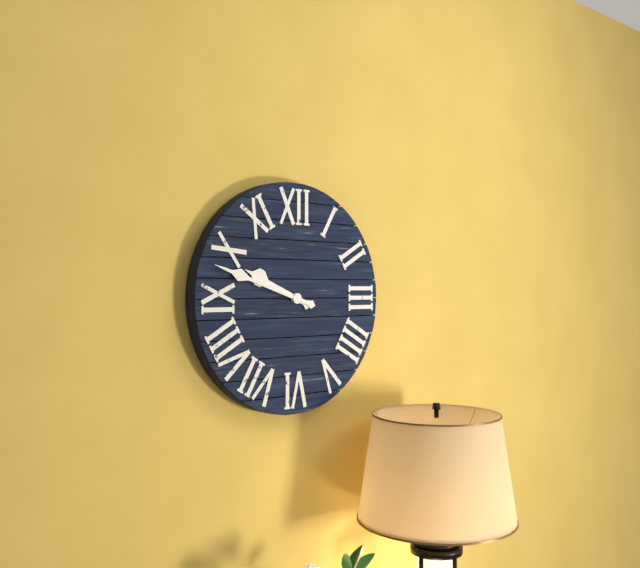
9:48
